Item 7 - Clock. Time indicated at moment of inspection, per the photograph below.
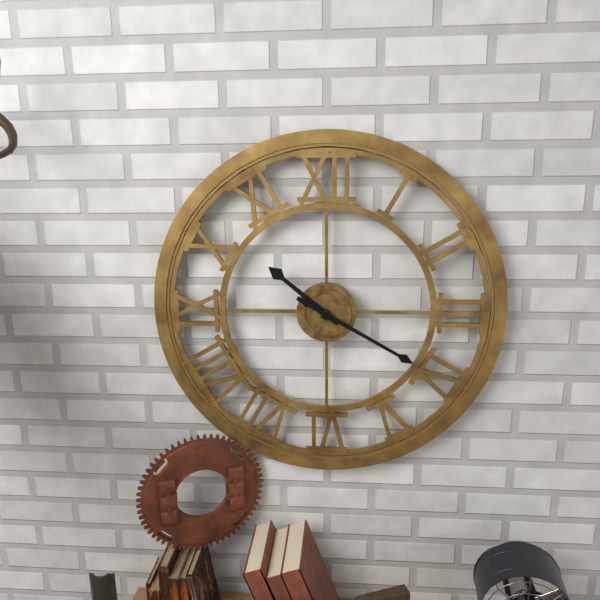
10:20
